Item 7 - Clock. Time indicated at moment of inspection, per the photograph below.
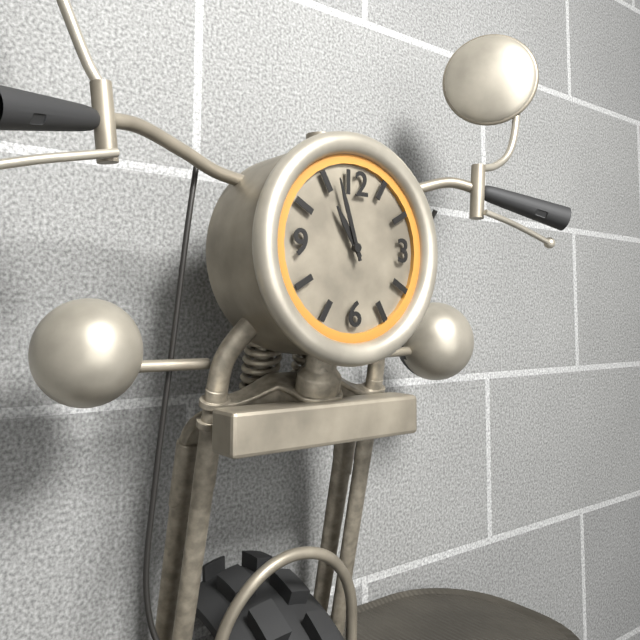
10:57
